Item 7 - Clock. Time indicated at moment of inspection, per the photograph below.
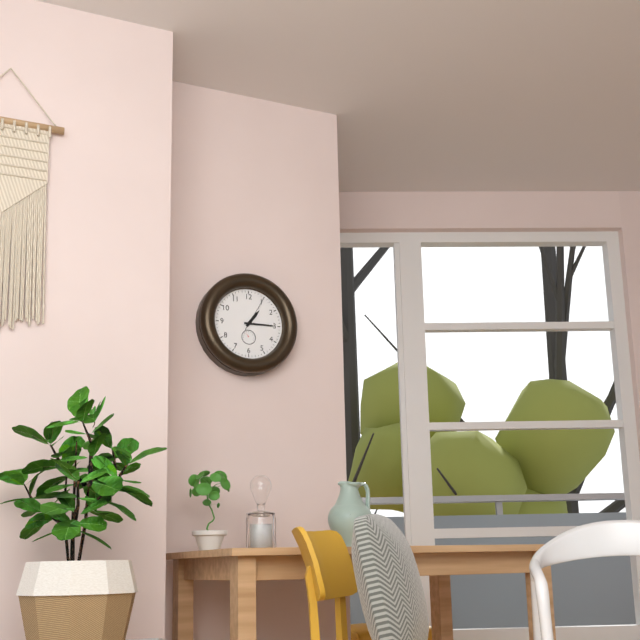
1:15
